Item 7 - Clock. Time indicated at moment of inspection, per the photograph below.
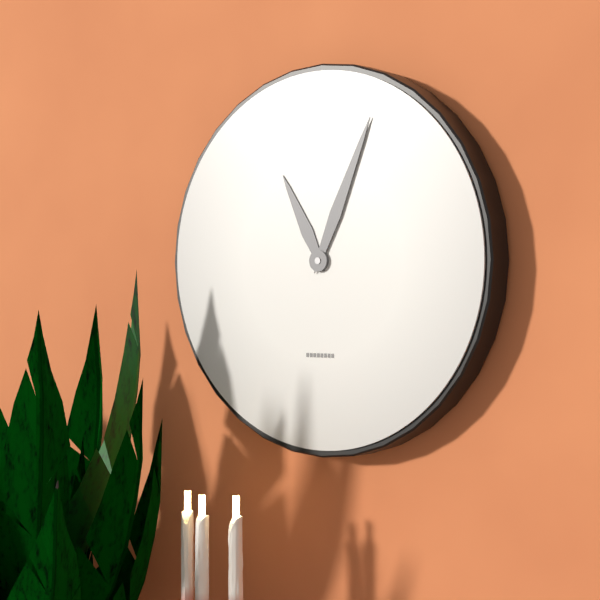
11:04
